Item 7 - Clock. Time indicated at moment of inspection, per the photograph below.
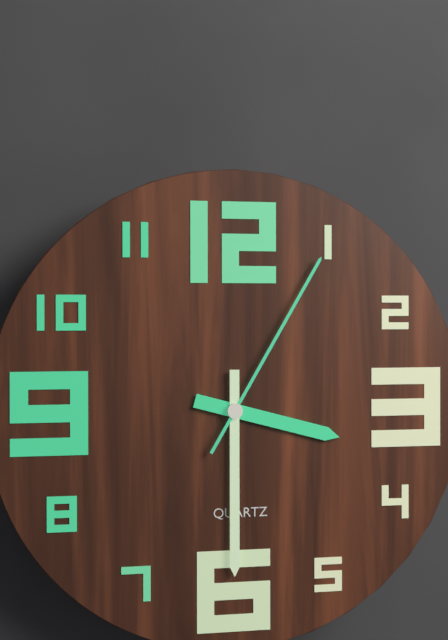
3:30:05
